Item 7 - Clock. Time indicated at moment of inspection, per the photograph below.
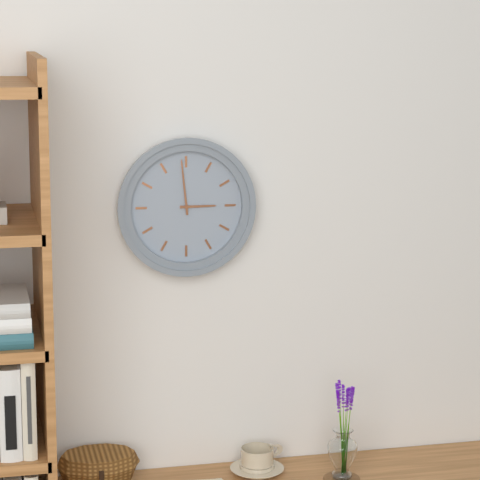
2:59
